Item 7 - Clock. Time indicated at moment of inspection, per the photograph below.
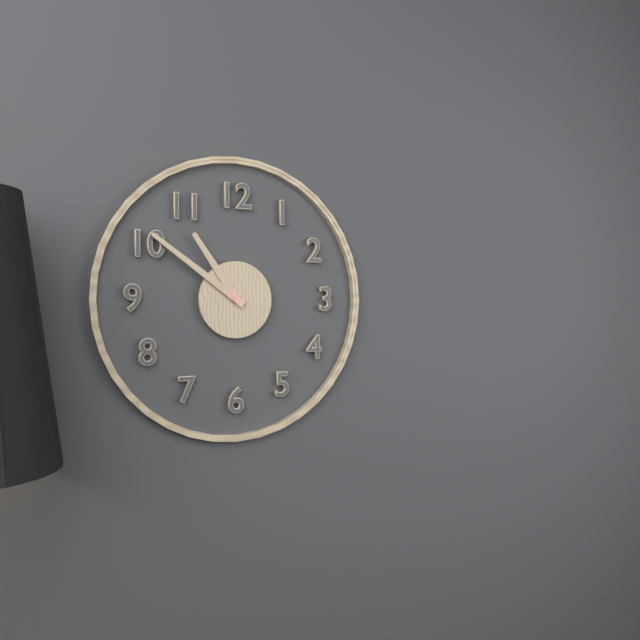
10:51
